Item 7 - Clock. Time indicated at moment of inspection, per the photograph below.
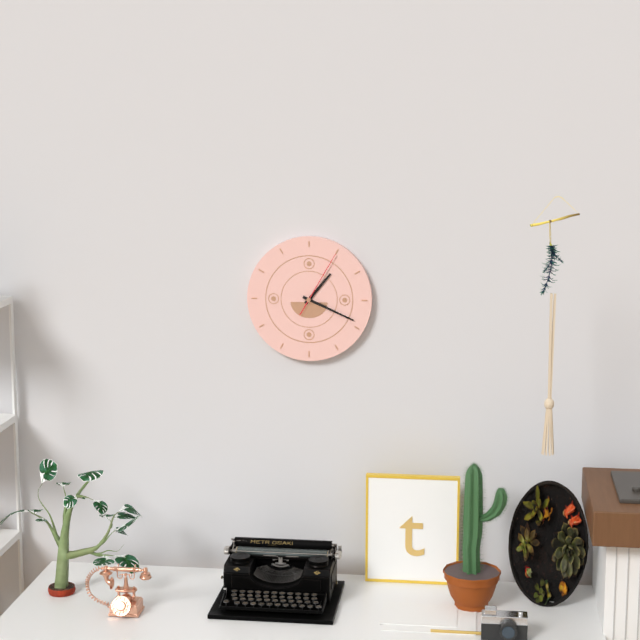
1:19:05
